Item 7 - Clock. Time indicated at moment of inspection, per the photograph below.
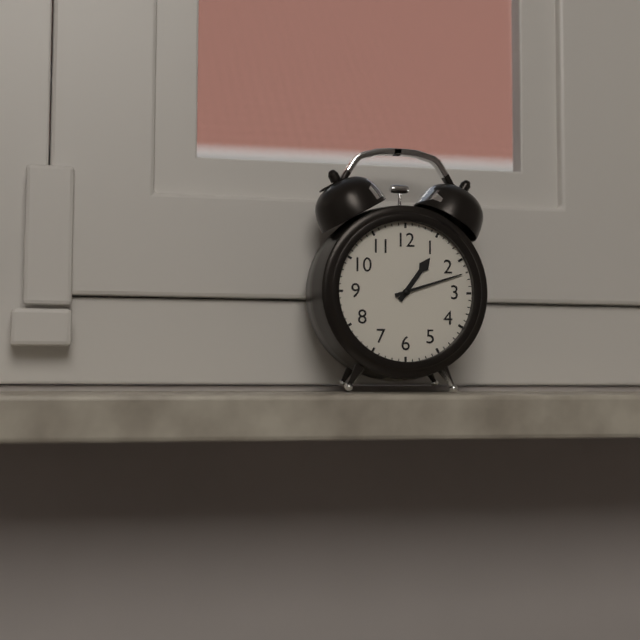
1:12
